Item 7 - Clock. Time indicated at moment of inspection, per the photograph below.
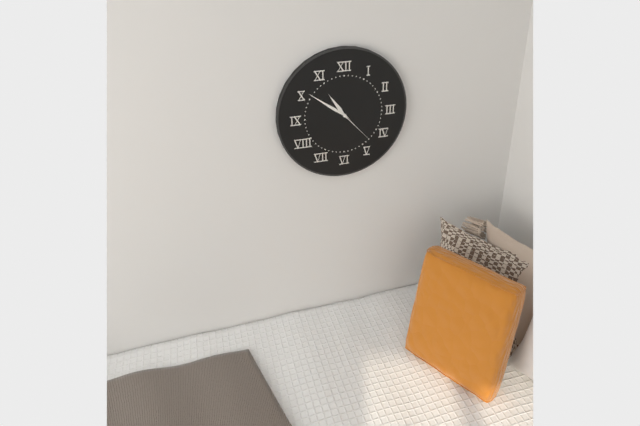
10:51
